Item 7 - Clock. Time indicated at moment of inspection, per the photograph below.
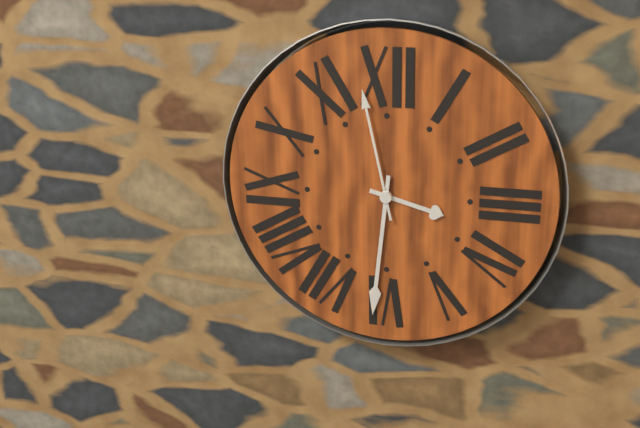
3:31:58
